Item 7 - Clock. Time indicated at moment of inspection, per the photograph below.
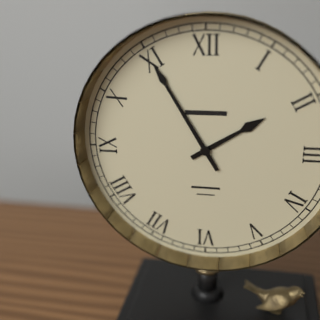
1:55
